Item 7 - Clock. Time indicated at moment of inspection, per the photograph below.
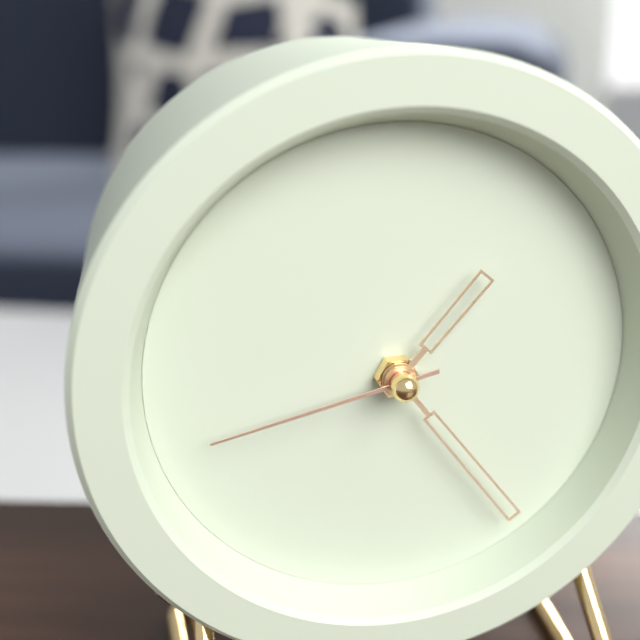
1:24:43
